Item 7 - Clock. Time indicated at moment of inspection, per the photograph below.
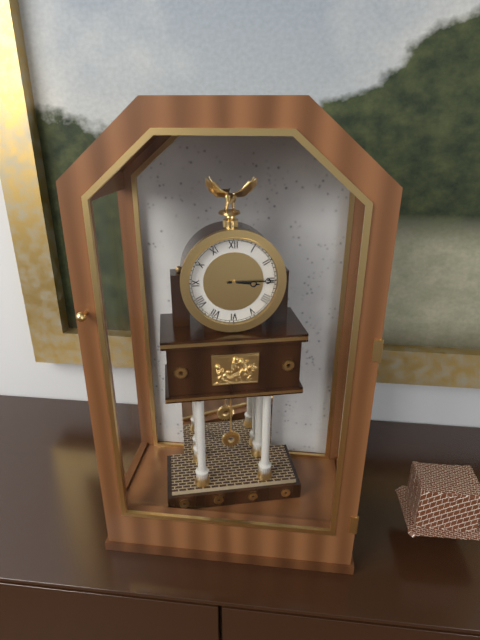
3:15
